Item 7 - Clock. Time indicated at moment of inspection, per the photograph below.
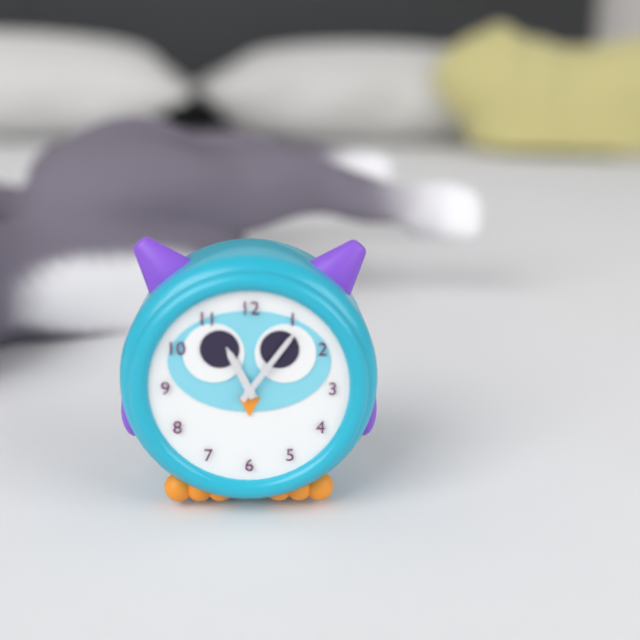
11:06
